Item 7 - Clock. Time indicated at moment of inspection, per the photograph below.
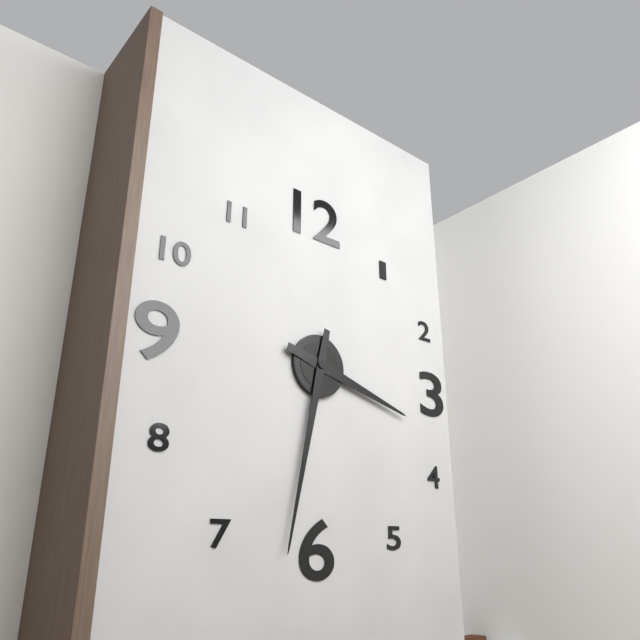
3:32
